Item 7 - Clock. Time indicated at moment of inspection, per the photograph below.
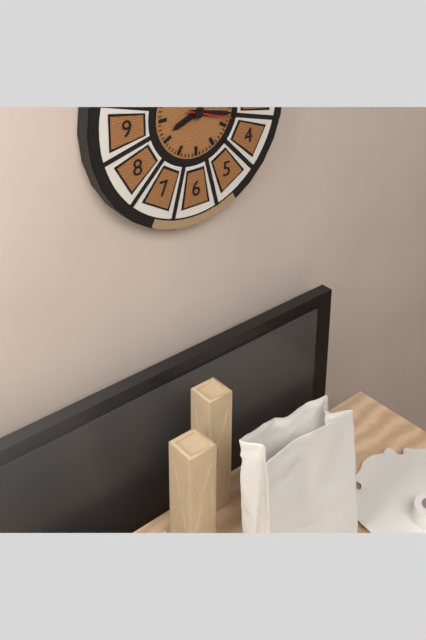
8:17
